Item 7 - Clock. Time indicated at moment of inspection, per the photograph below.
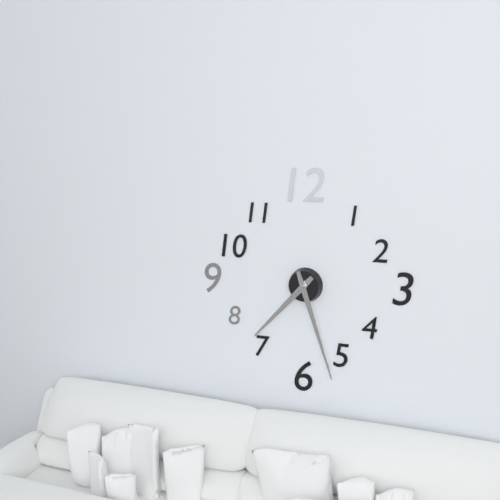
7:27
